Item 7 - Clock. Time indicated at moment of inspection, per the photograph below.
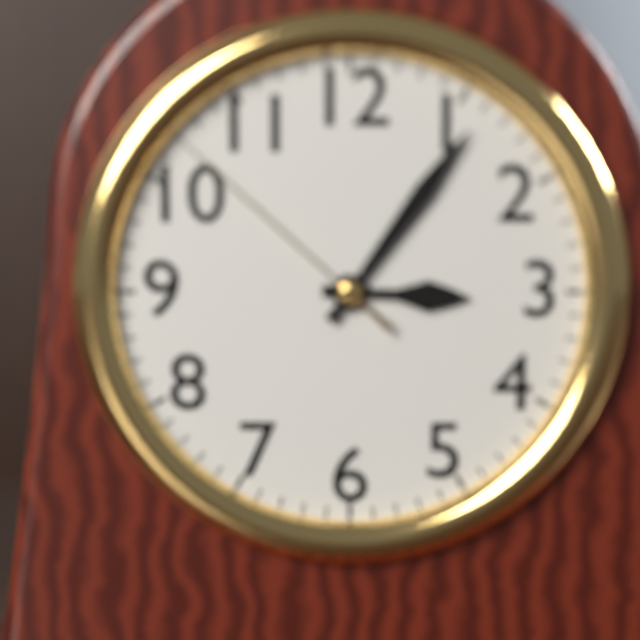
3:06:52
